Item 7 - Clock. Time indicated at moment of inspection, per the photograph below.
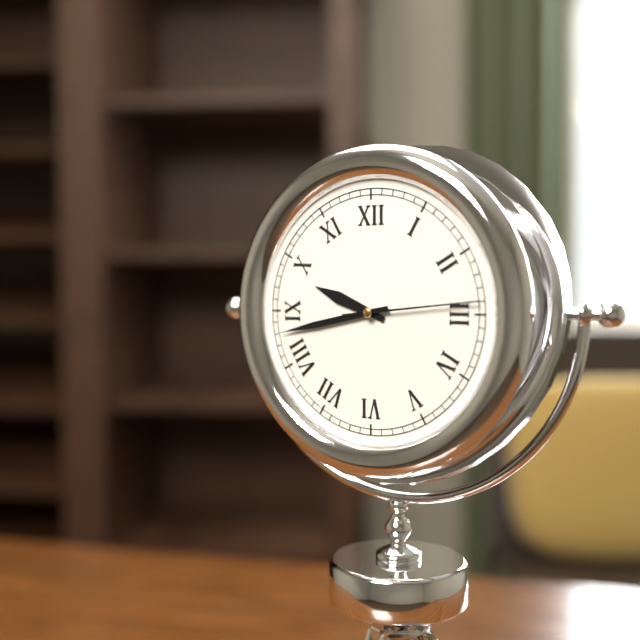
9:43:14
